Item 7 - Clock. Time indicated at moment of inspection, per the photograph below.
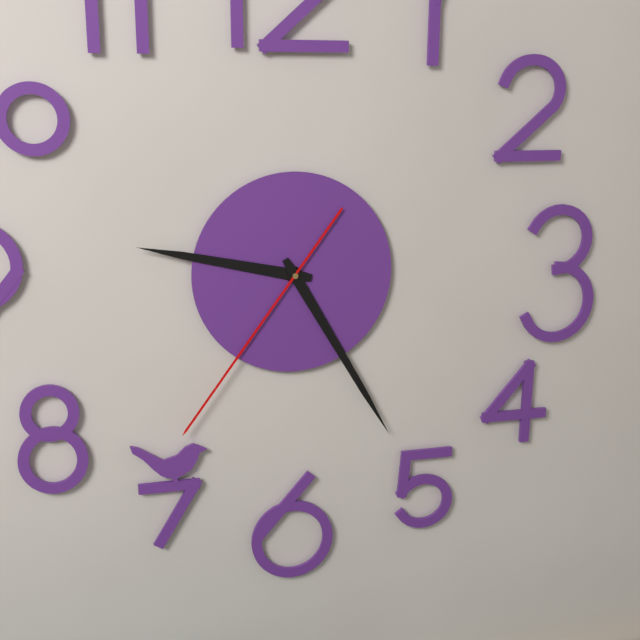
9:25:36
